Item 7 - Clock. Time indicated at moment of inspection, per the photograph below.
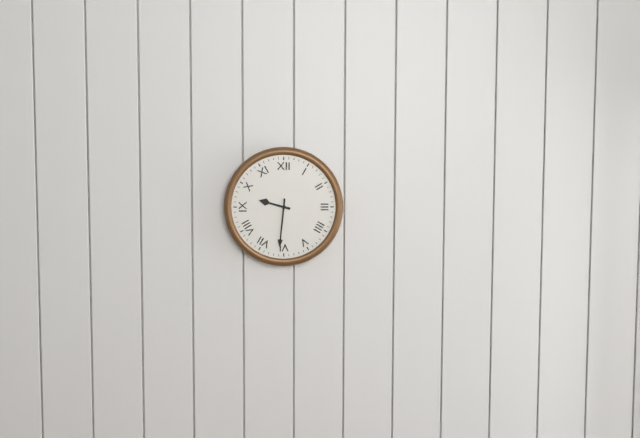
9:31
